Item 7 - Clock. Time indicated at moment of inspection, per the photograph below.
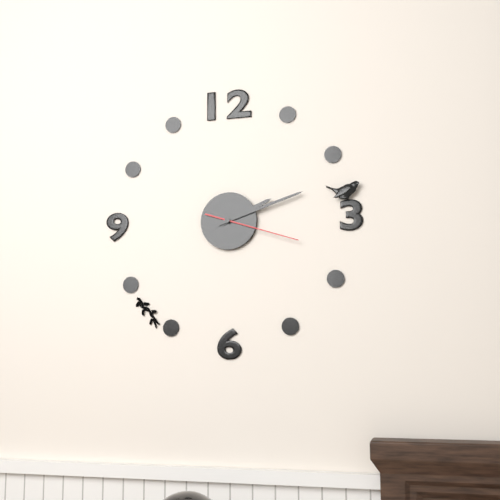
2:12:18
